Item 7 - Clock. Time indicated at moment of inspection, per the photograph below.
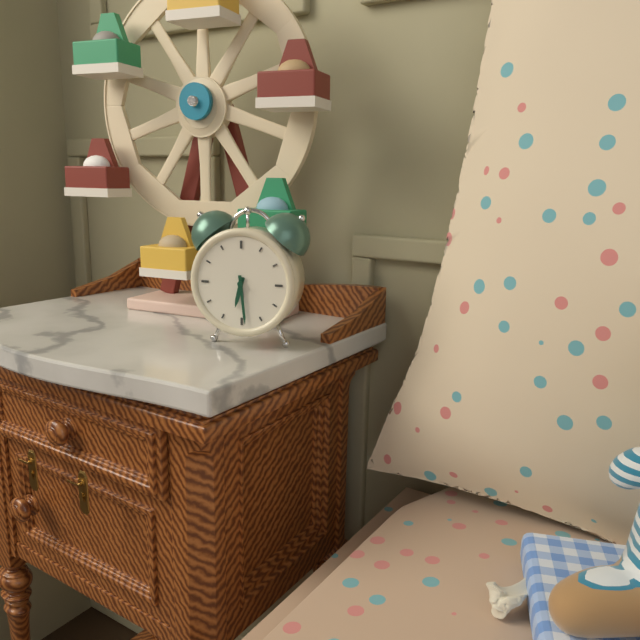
6:29
